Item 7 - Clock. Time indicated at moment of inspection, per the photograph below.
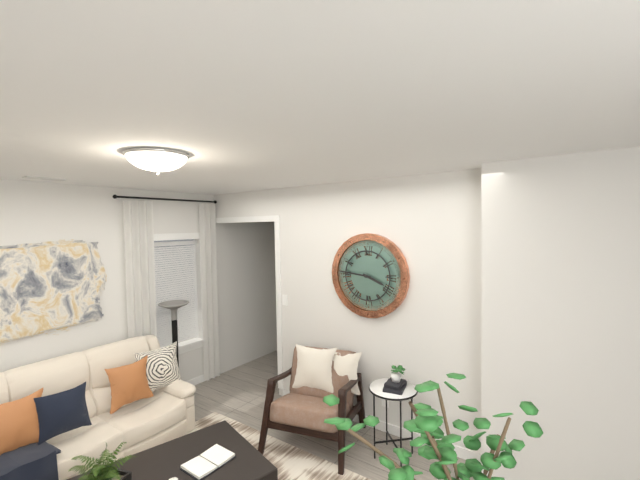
3:46
